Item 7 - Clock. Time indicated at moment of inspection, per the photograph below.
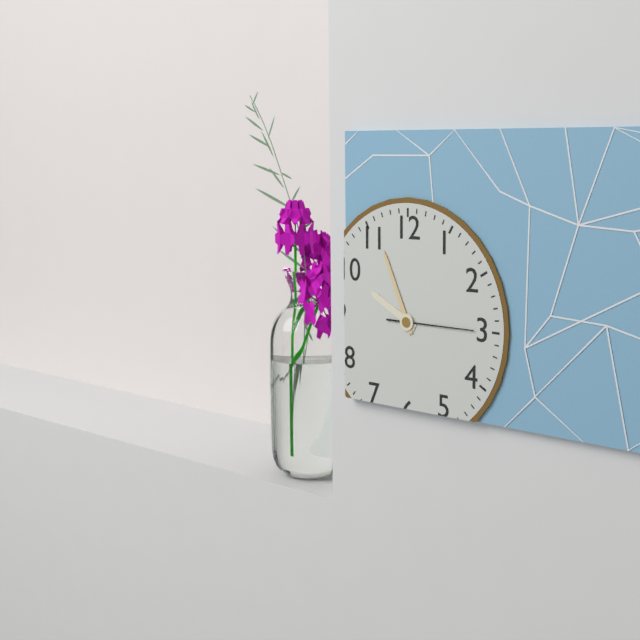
9:56:15
